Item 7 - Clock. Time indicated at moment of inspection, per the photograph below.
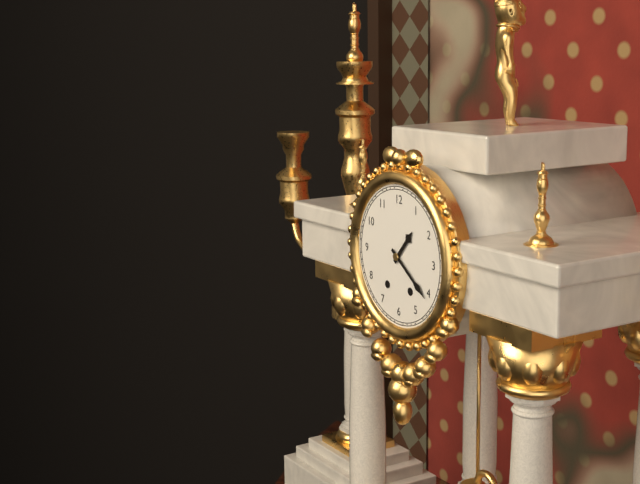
1:21
